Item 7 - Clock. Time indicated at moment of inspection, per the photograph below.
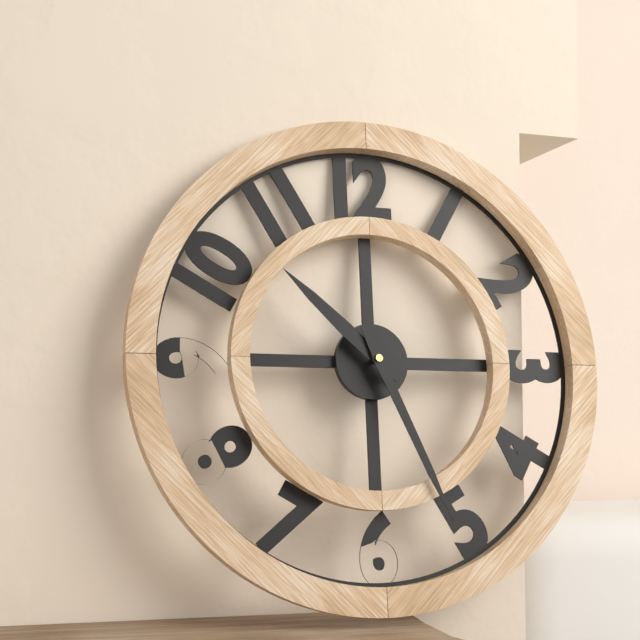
10:26
